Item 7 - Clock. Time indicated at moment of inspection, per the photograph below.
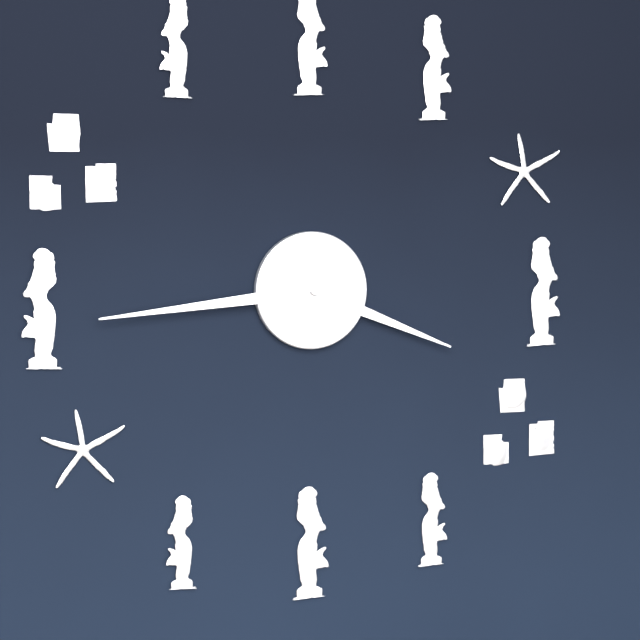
3:44
